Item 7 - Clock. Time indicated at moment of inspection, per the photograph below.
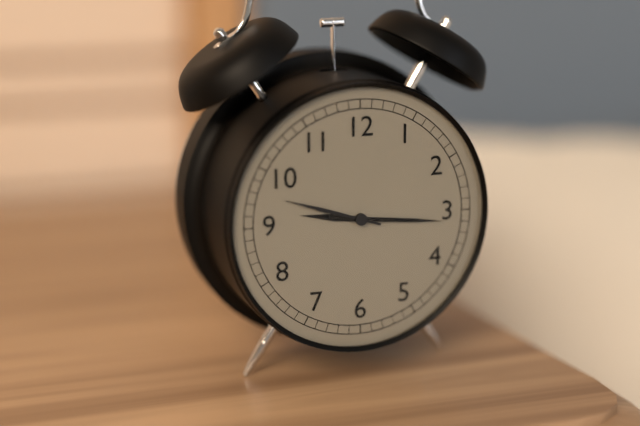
9:16:48
